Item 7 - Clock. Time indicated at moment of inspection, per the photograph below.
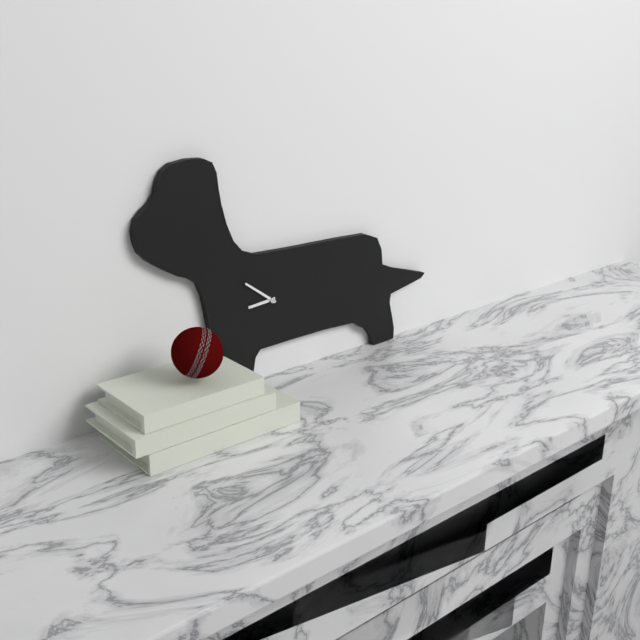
8:51
